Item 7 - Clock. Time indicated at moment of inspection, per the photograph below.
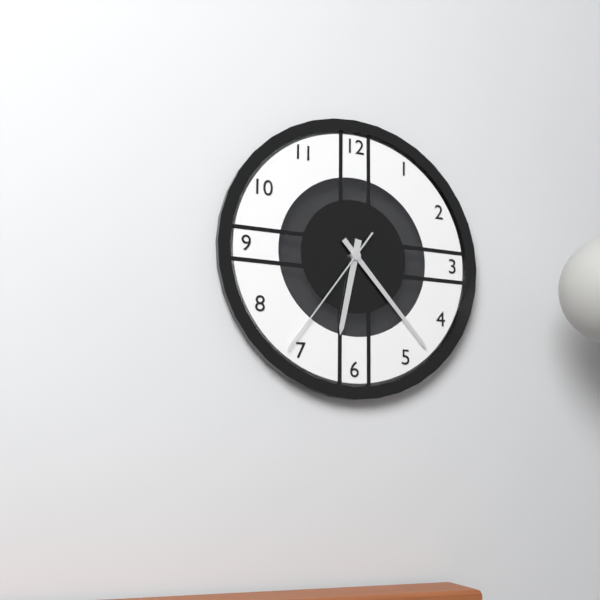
6:23:36
